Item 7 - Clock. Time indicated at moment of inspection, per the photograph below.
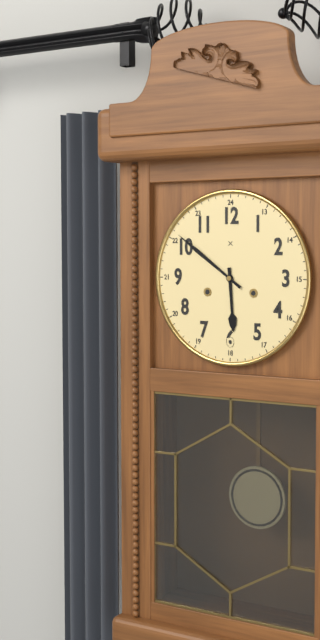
5:51
